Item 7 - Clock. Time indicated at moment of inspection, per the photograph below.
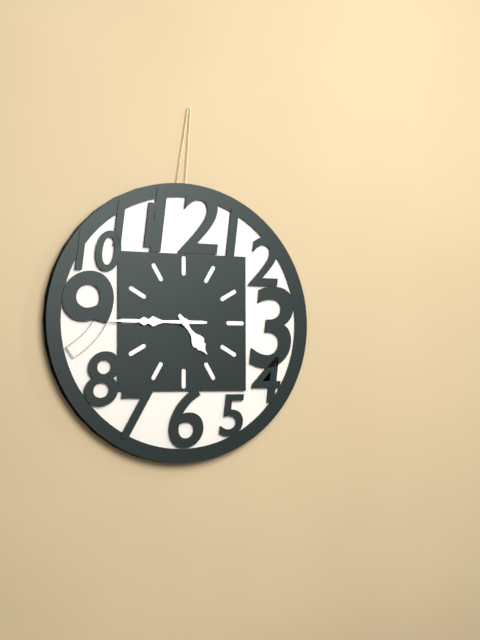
4:45
